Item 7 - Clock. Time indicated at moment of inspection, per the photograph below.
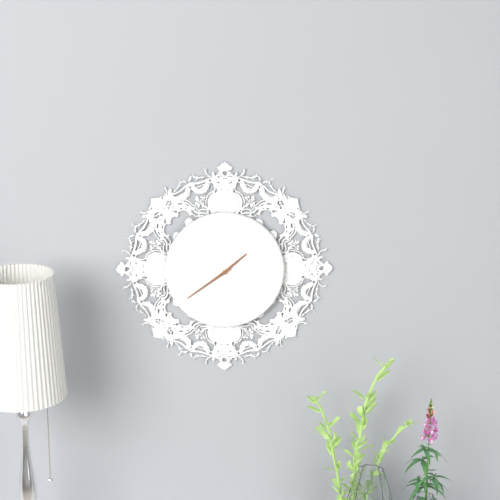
1:39
